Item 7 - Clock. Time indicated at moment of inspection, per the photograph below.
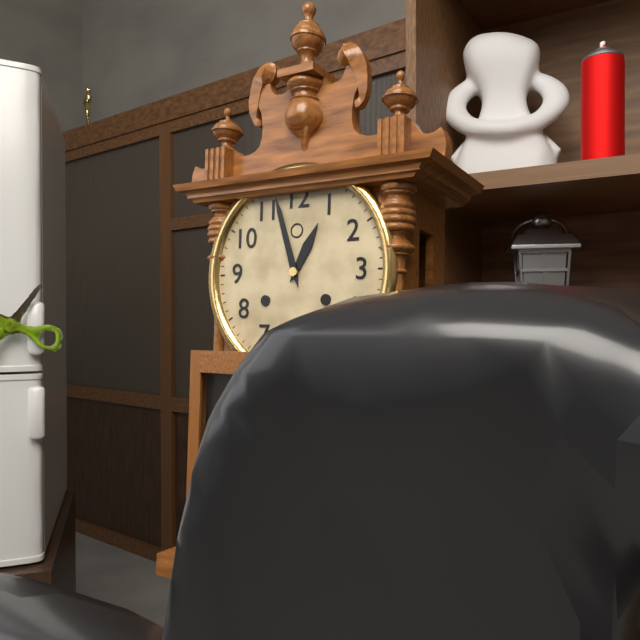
12:57
